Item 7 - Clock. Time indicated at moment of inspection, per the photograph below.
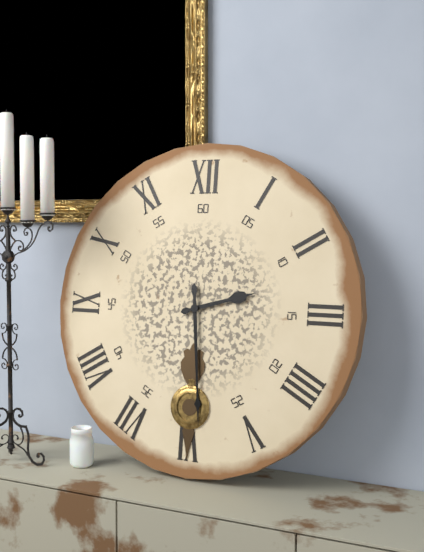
2:29
